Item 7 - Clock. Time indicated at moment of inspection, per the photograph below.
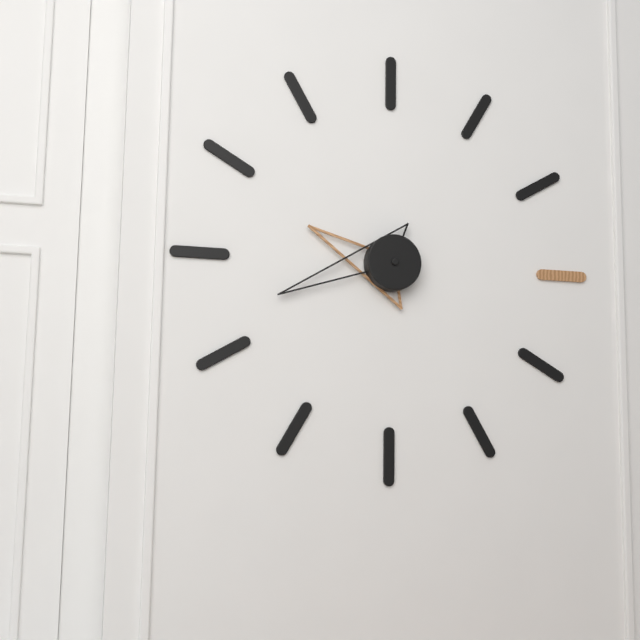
9:42
